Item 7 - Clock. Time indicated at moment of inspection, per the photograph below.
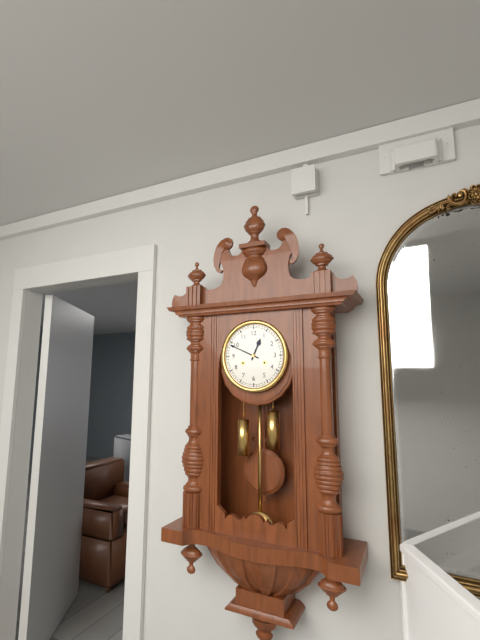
12:49
